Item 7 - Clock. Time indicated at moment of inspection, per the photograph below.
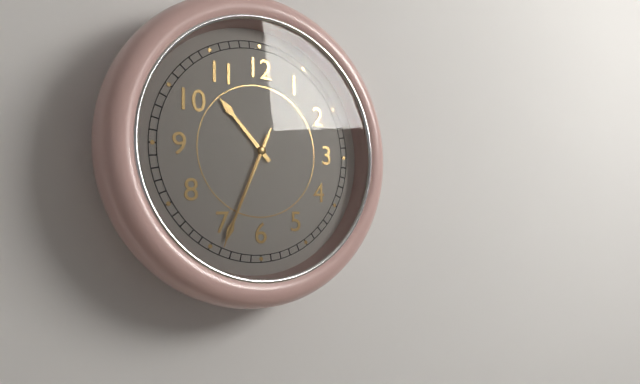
10:34:34
